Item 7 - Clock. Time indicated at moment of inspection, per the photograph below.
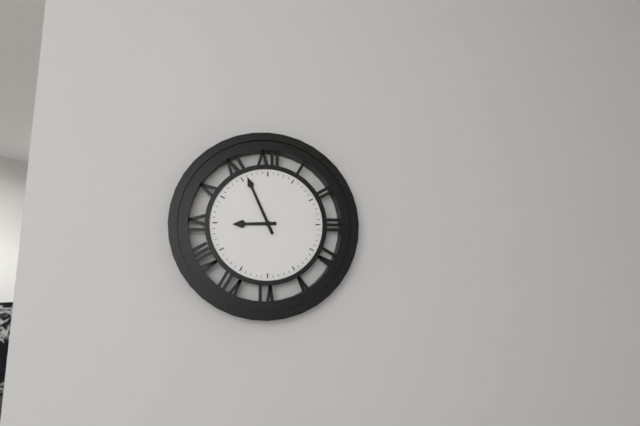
8:56
